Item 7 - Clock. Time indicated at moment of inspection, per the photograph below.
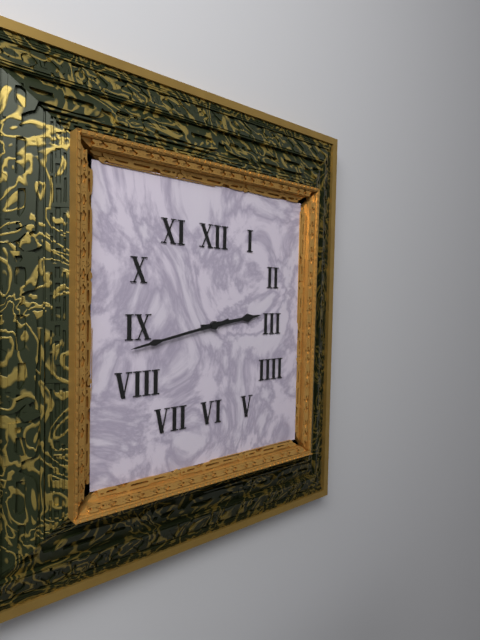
2:43
